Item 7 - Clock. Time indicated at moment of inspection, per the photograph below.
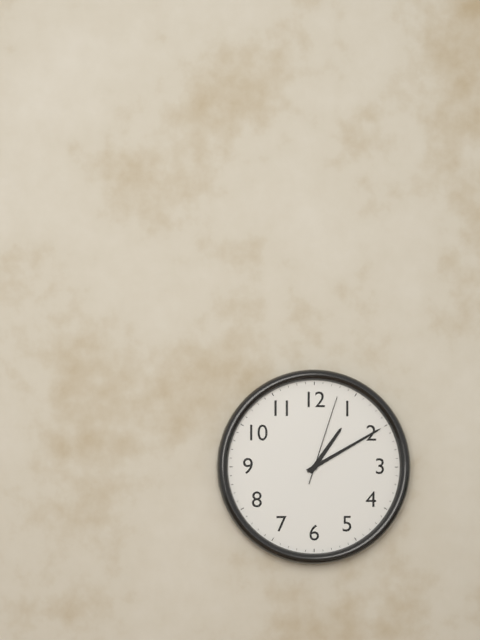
1:10:03
